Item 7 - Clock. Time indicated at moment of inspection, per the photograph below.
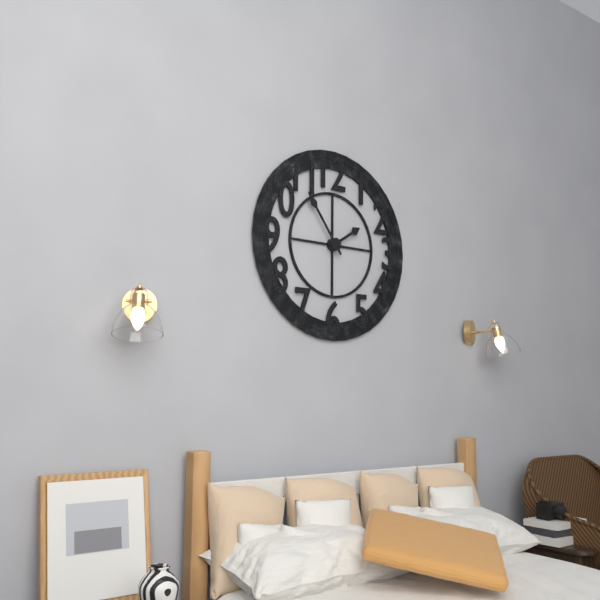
1:54
